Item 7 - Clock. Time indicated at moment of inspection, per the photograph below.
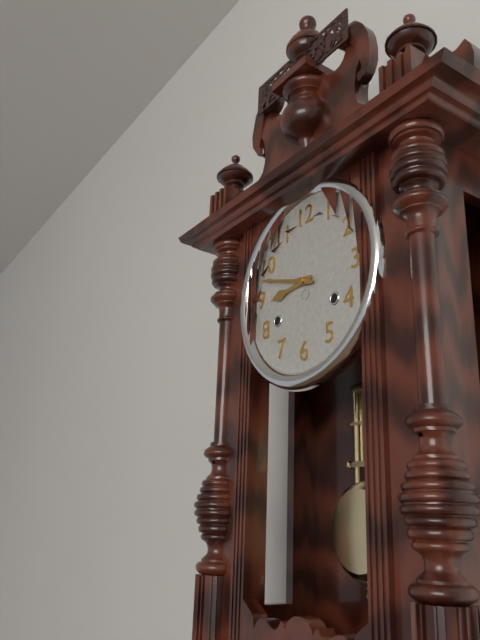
8:48
